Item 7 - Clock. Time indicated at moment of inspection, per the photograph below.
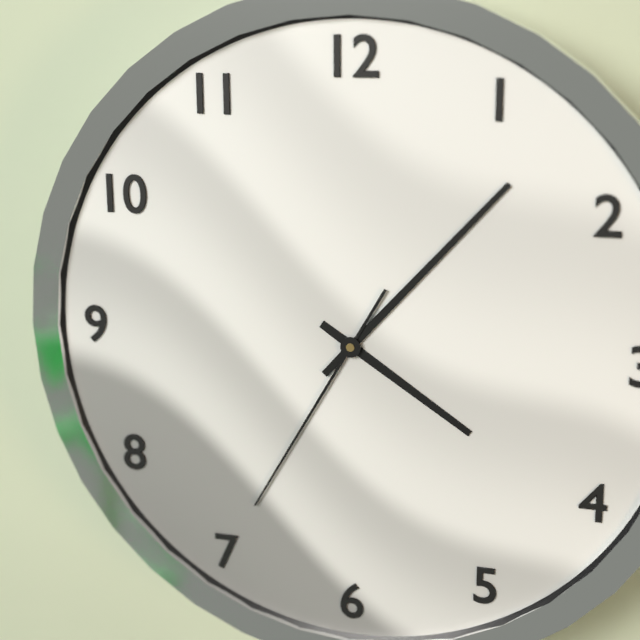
4:07:35
